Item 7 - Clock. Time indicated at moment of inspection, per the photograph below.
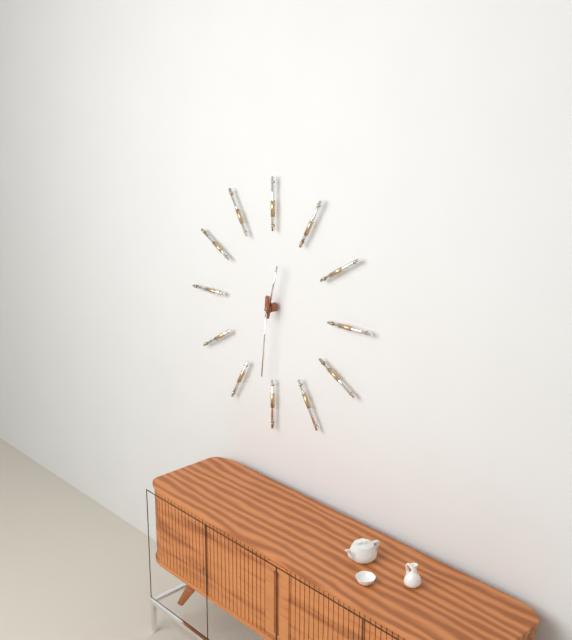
12:31
